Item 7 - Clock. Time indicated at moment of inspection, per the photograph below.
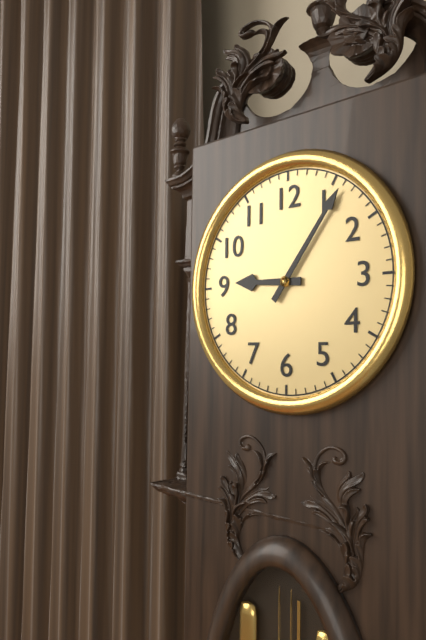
9:06
